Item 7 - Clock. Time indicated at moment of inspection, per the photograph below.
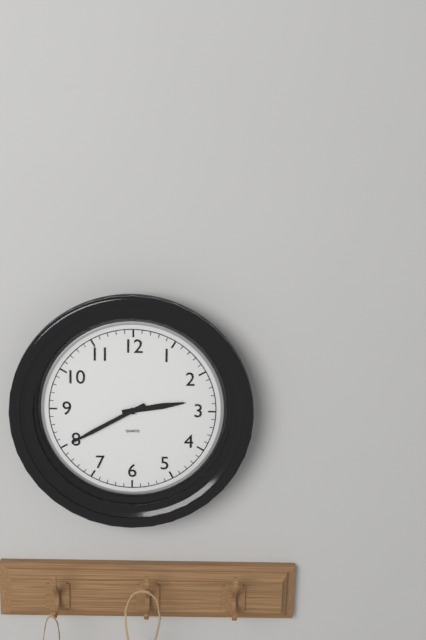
2:40
